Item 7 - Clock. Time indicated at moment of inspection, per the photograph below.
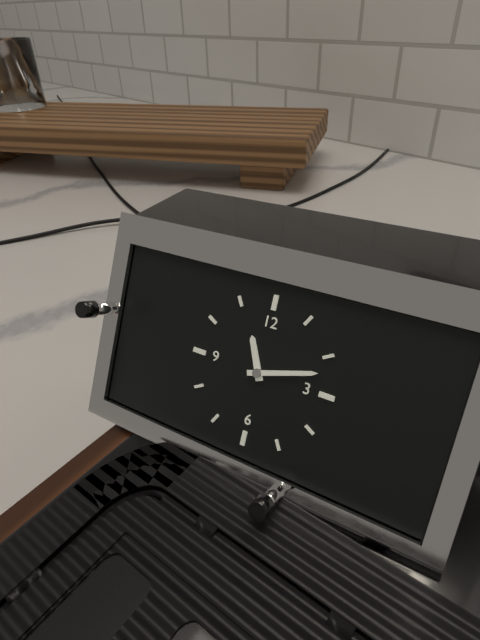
11:12
